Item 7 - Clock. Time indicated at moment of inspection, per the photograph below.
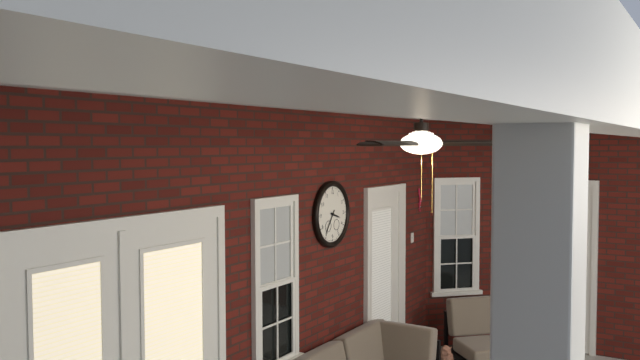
3:36
